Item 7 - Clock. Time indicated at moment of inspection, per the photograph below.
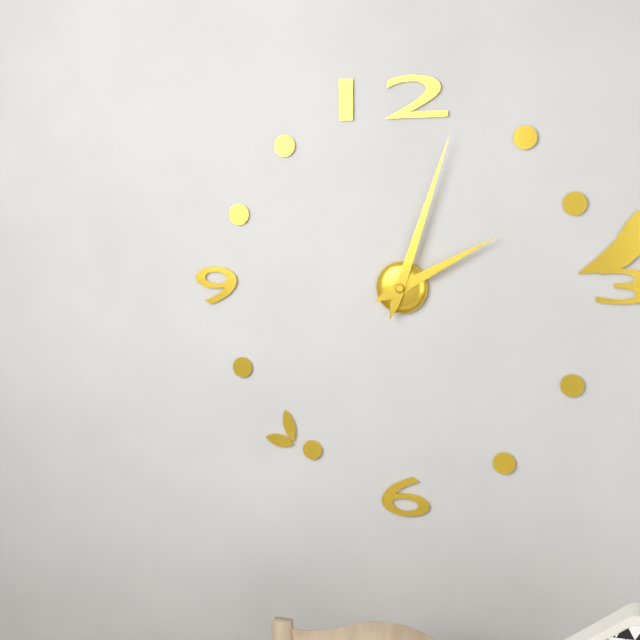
2:03
